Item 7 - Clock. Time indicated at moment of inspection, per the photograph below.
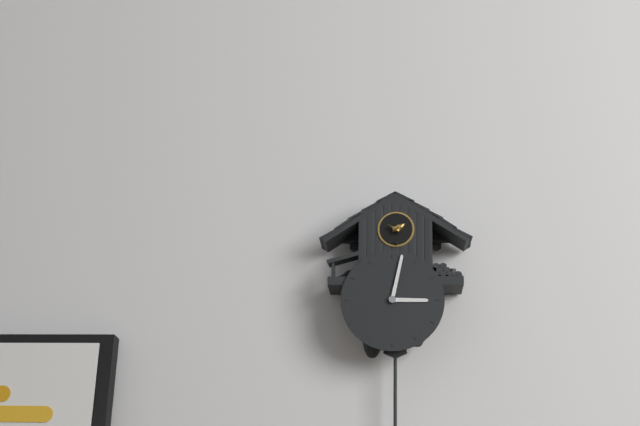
3:02
